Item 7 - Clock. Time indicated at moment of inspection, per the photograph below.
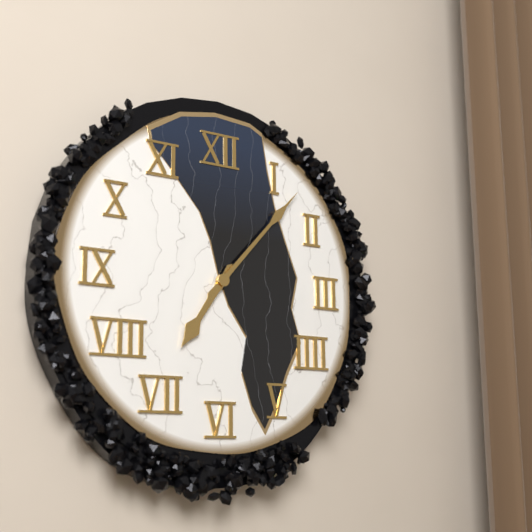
7:07
